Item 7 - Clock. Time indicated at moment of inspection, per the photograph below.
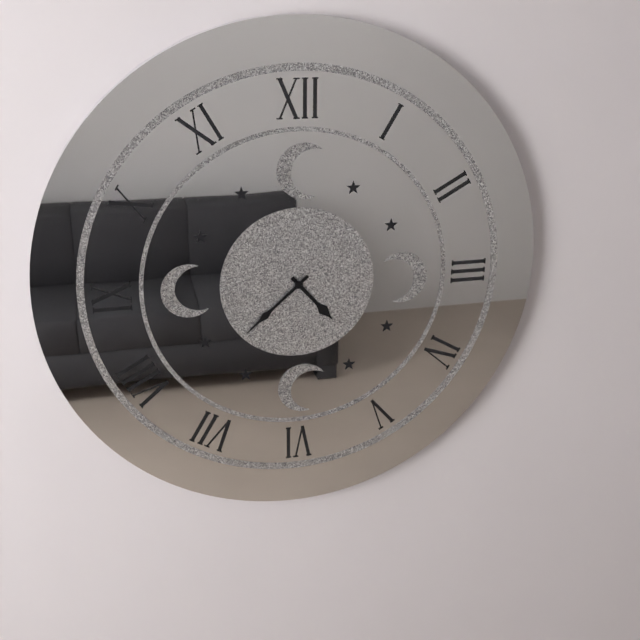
4:38
